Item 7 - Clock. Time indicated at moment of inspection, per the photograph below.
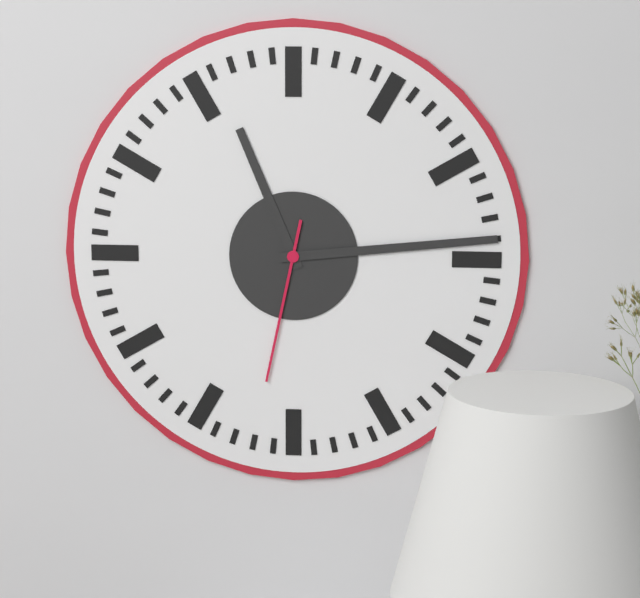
11:14:32
